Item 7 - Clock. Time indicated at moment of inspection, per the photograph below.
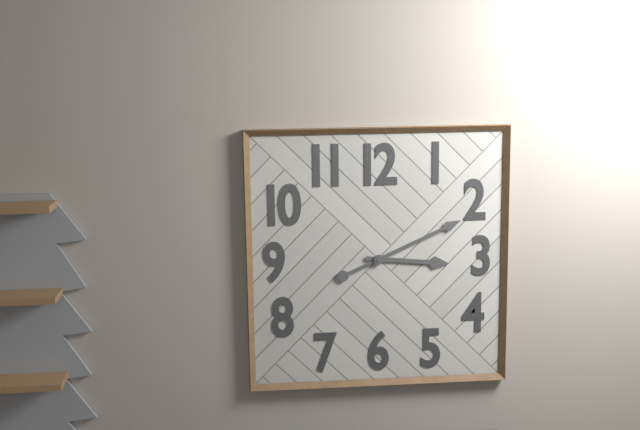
3:11
